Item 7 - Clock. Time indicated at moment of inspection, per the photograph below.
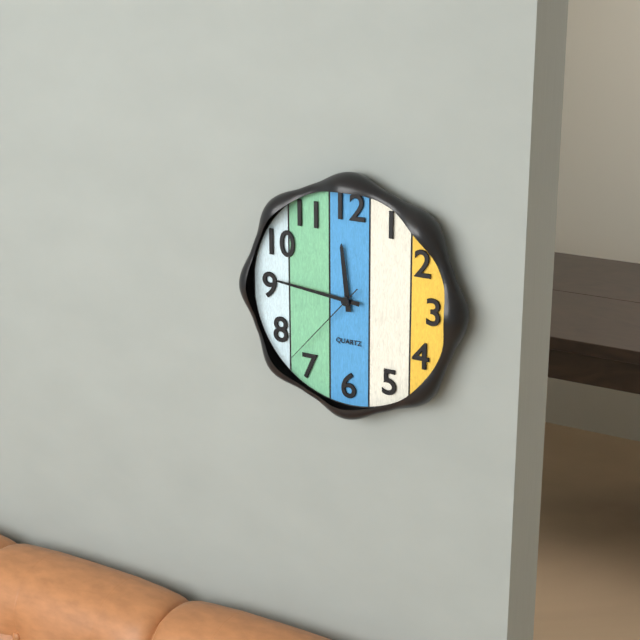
11:46:37
